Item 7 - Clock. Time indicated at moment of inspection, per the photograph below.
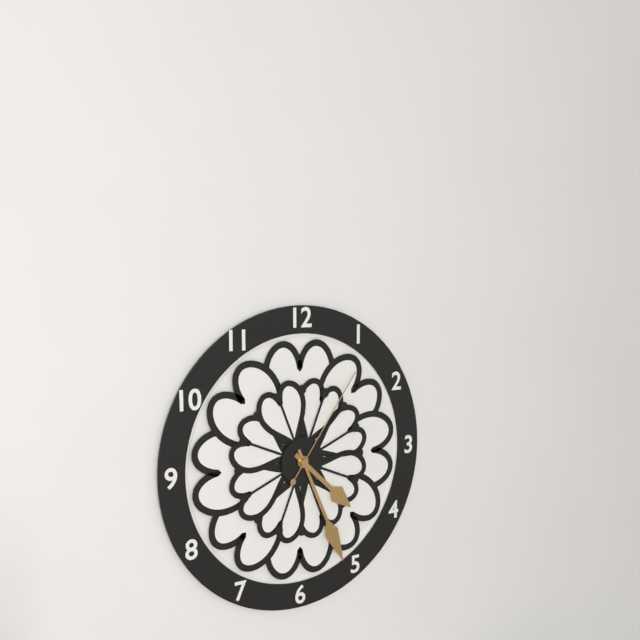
4:26:06
